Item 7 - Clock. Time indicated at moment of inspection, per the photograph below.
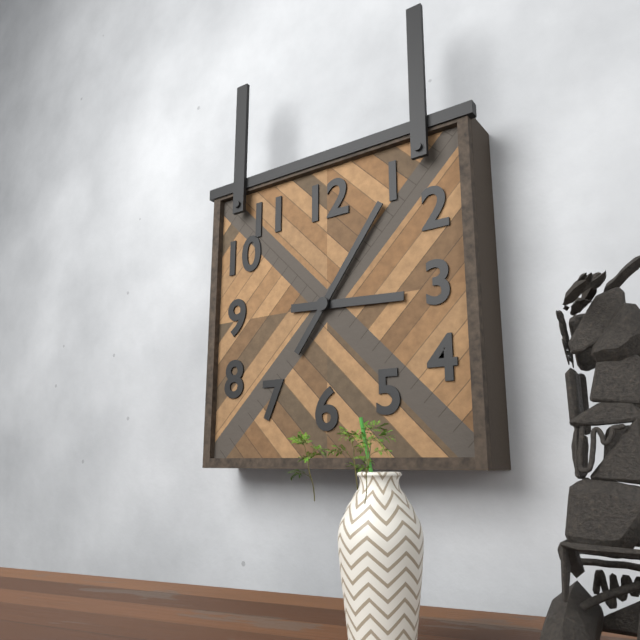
3:06
